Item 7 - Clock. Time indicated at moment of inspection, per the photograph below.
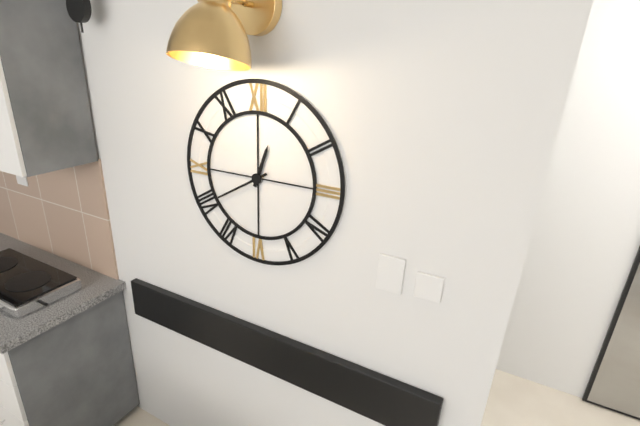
12:40
